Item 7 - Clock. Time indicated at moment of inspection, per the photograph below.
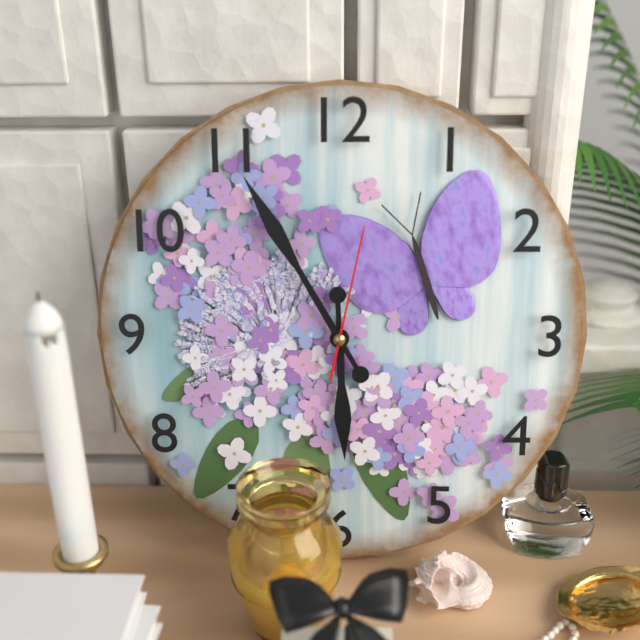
5:55:02
